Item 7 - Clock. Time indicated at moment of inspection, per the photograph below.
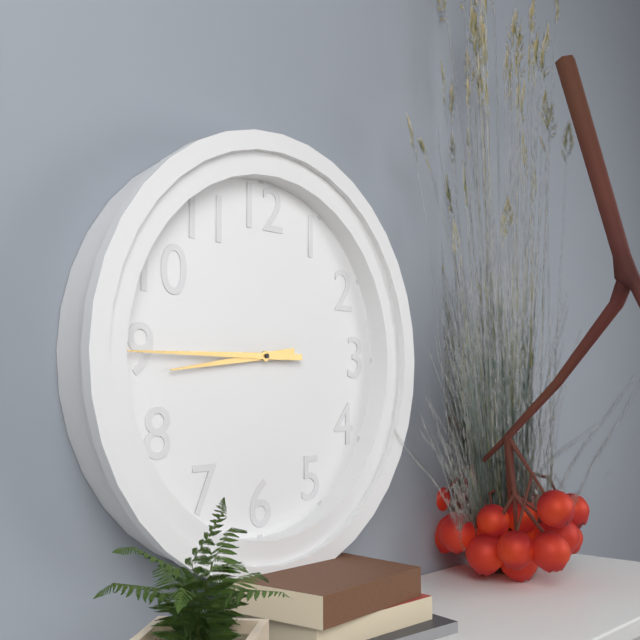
8:45
